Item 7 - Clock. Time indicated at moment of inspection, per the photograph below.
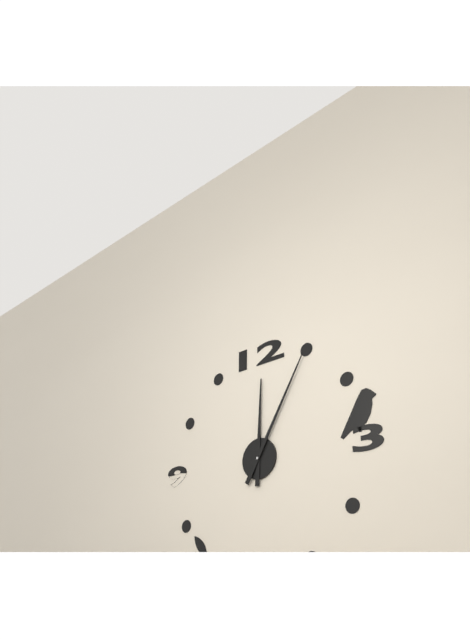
12:05
